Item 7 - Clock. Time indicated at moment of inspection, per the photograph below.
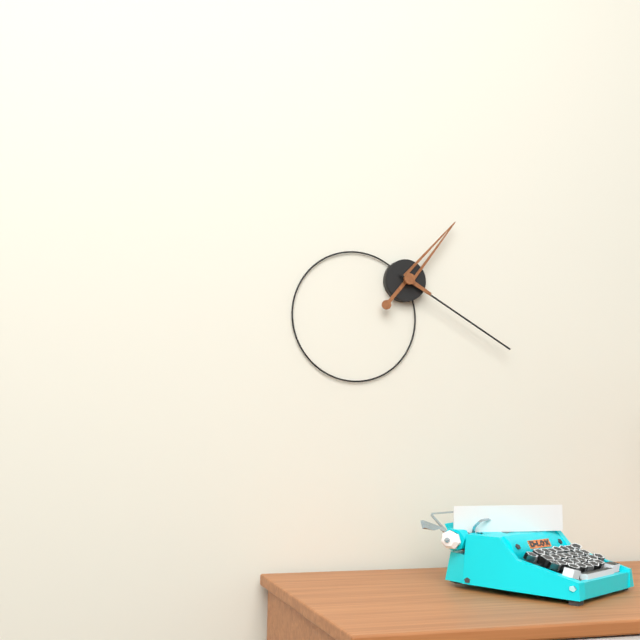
1:20
